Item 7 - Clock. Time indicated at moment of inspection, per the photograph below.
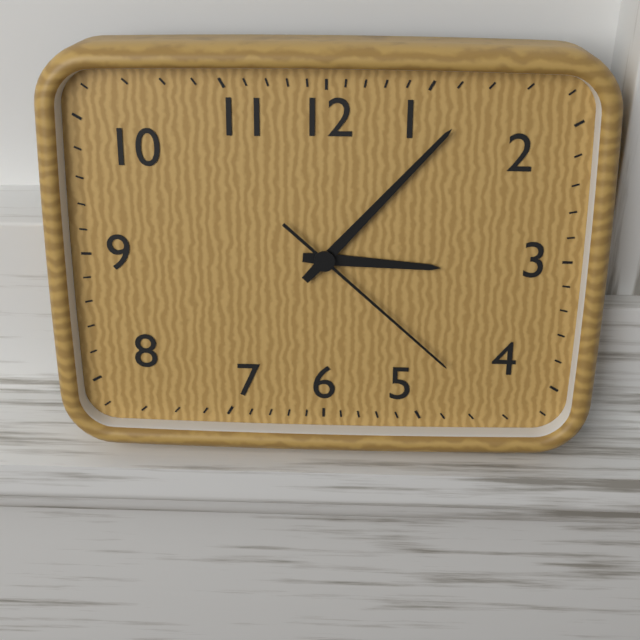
3:07:22
